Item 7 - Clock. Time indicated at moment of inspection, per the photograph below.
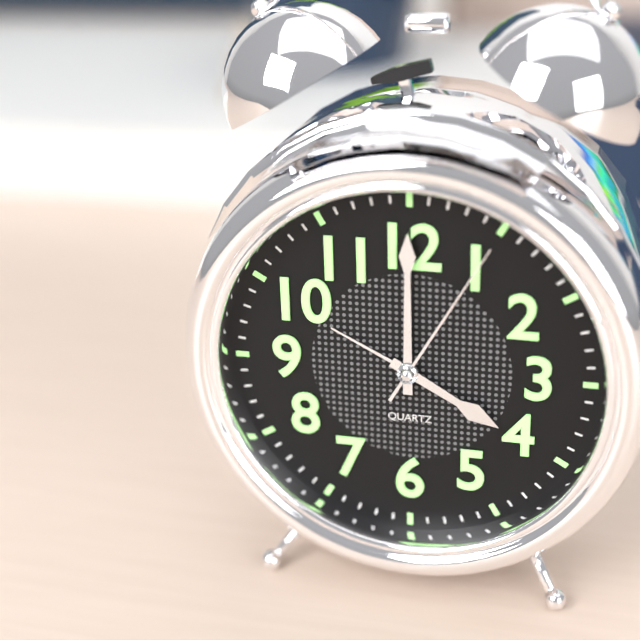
4:00:05
